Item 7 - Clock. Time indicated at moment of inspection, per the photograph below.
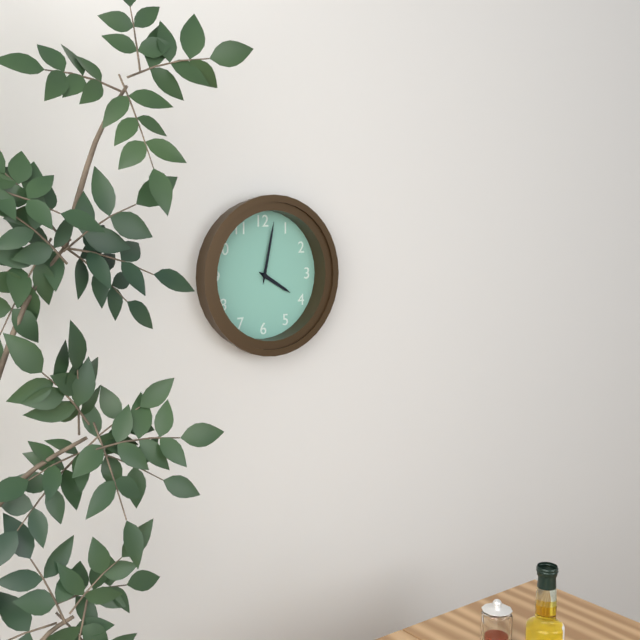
4:02
